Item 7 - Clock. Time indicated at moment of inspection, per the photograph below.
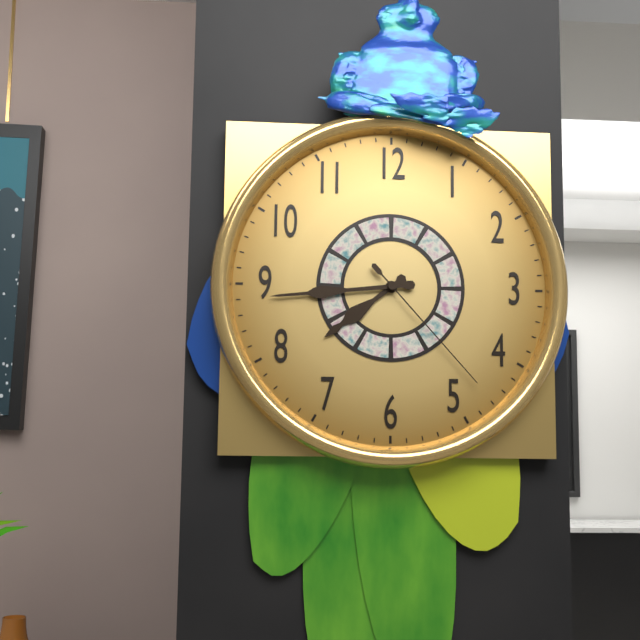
7:44:23
